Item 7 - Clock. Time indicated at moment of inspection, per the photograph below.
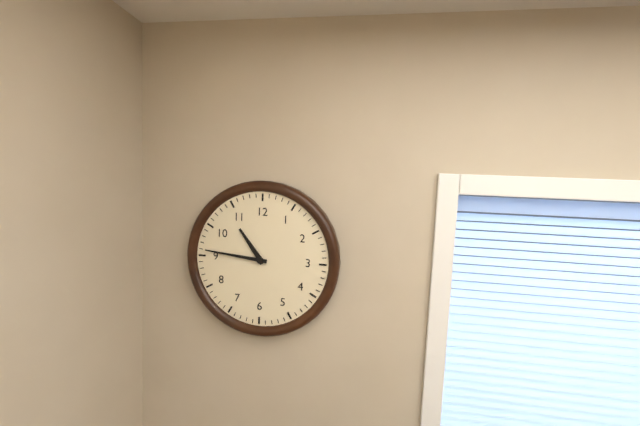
10:46
